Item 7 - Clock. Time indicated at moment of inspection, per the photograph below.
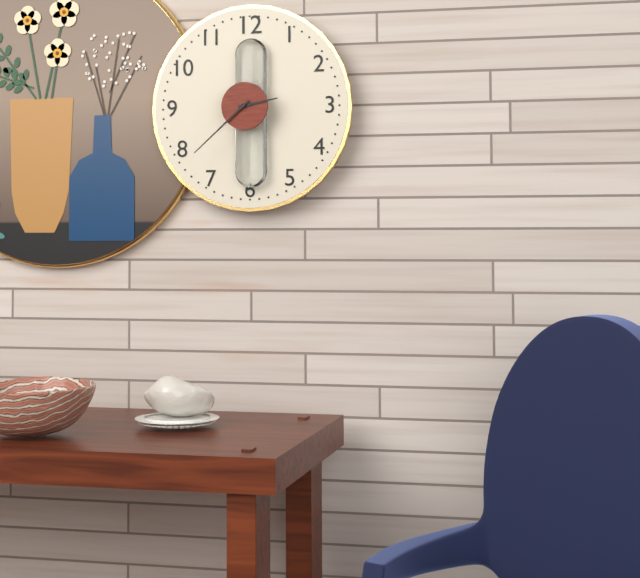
2:38
